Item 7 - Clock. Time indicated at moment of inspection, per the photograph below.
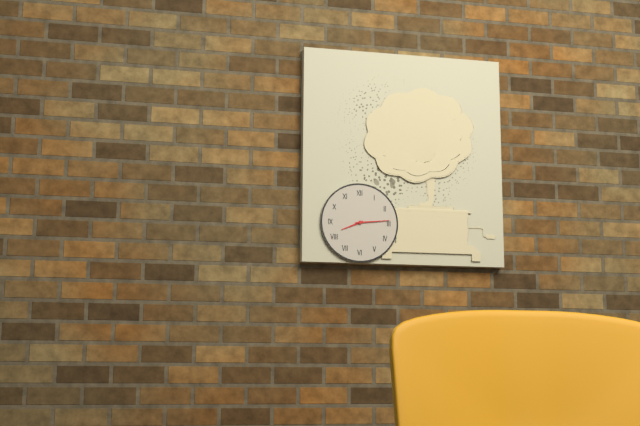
8:14
